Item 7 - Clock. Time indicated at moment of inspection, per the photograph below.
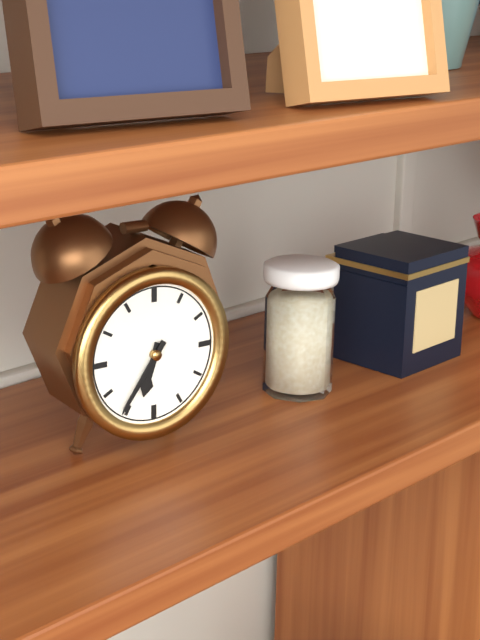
6:36
